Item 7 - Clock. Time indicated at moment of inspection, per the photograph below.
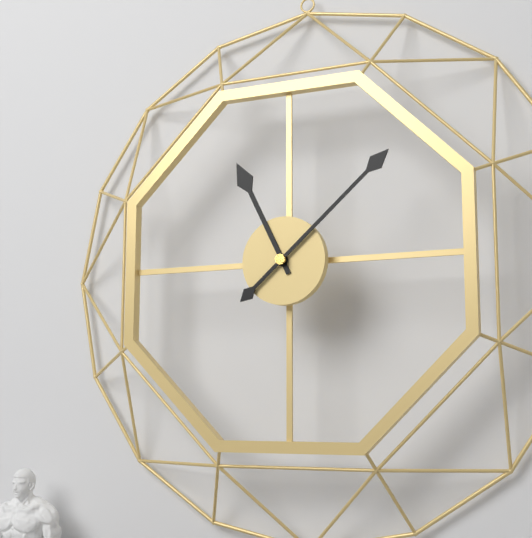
11:08
